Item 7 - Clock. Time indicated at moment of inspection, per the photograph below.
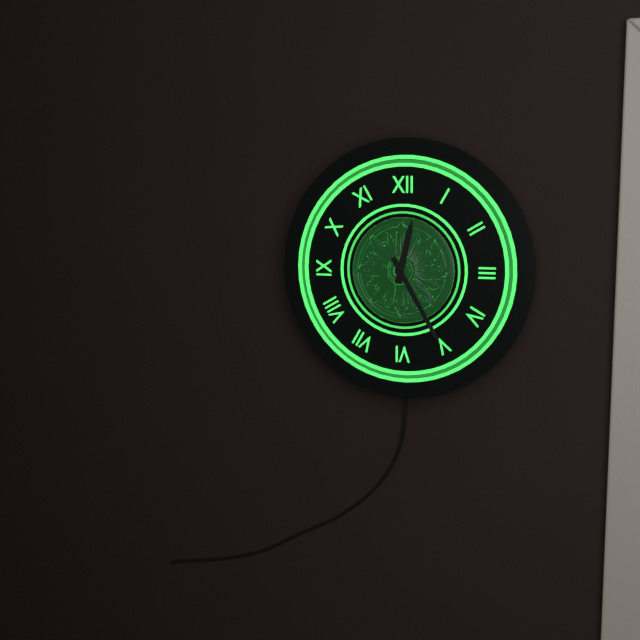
12:25
